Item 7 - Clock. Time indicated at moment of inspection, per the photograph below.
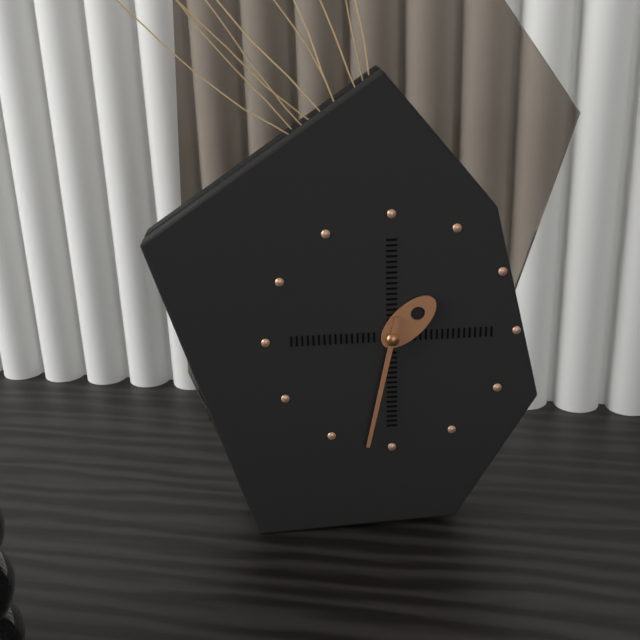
1:32
